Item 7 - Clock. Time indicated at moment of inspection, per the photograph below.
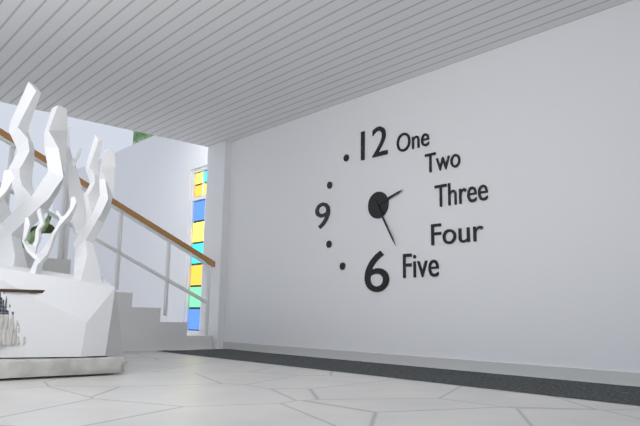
2:25
